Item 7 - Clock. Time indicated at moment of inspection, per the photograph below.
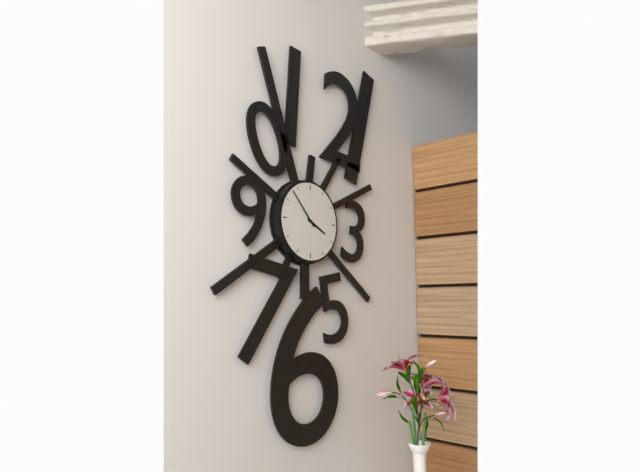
3:53
